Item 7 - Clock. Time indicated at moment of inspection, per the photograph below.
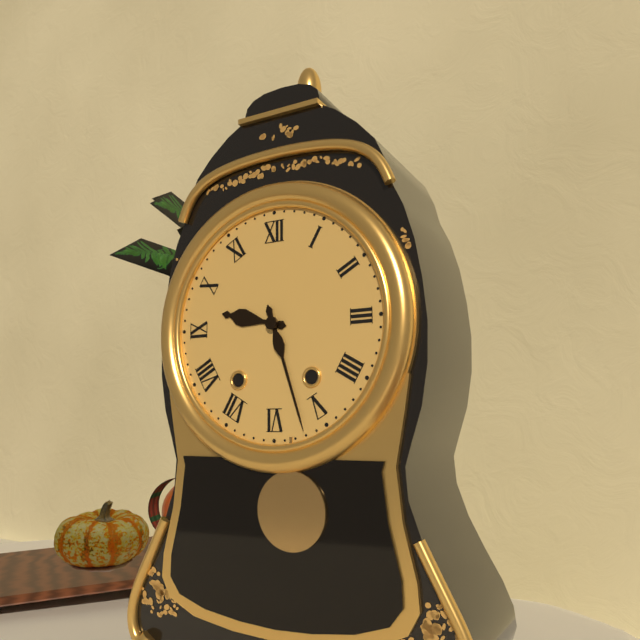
9:27
